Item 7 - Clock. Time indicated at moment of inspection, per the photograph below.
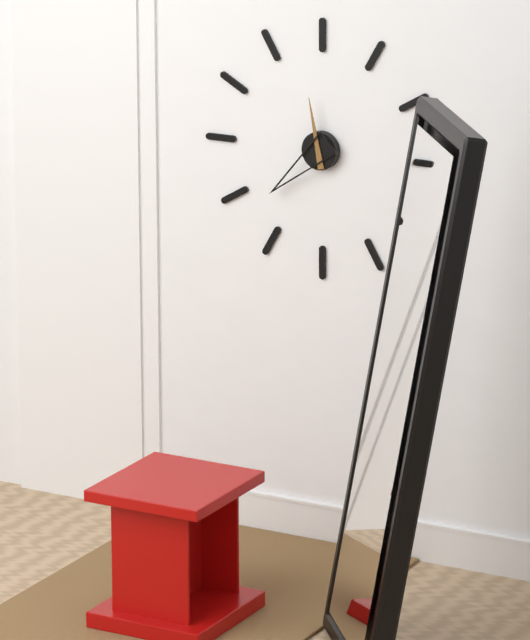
11:38
